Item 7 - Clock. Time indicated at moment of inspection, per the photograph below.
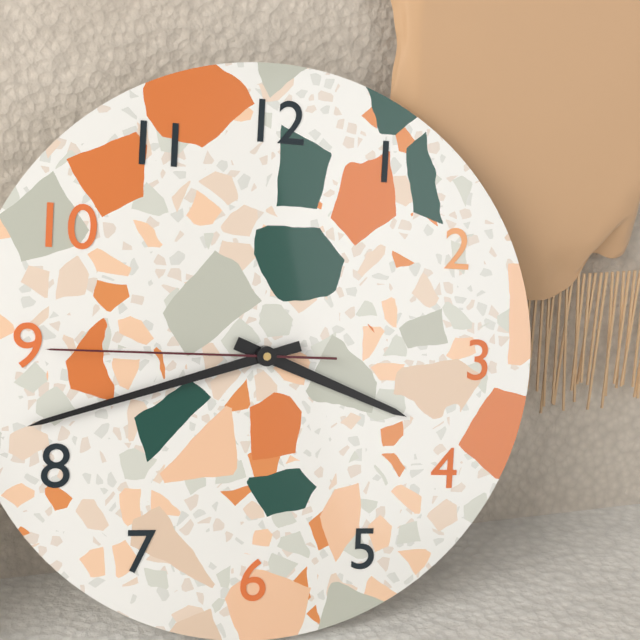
3:42:45
